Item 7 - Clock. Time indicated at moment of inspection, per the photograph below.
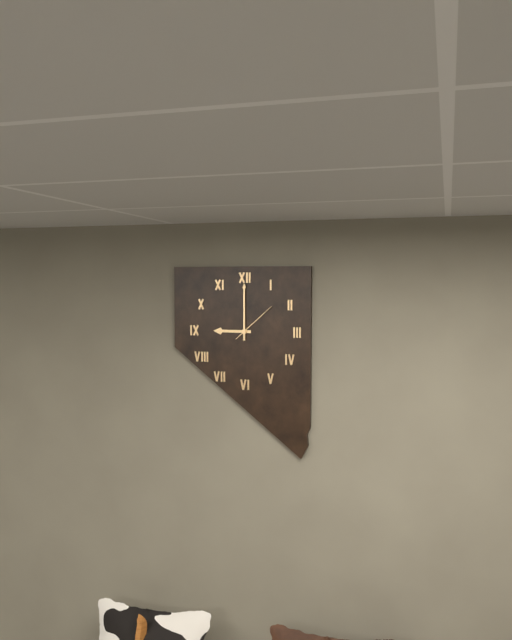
9:00
